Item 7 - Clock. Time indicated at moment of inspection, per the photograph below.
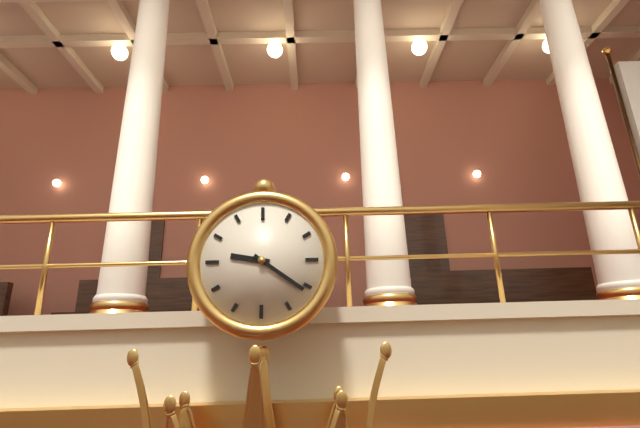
9:21
